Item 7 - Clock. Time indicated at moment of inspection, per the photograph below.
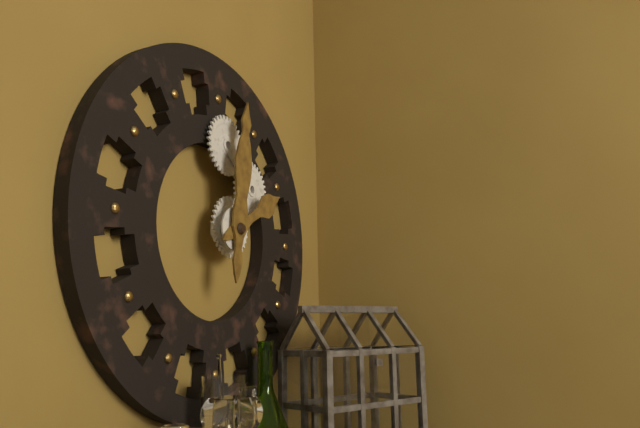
2:01
